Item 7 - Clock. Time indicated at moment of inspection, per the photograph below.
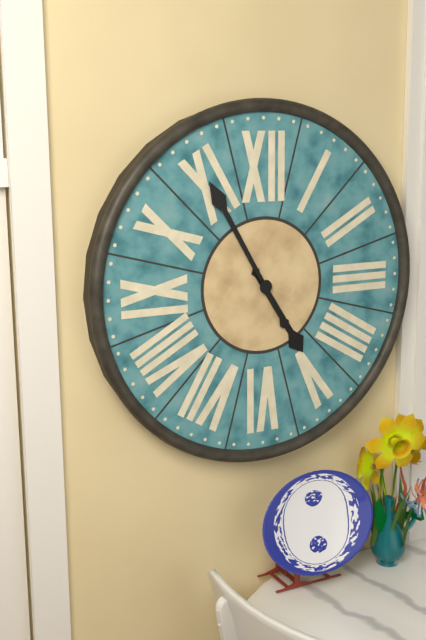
4:55
